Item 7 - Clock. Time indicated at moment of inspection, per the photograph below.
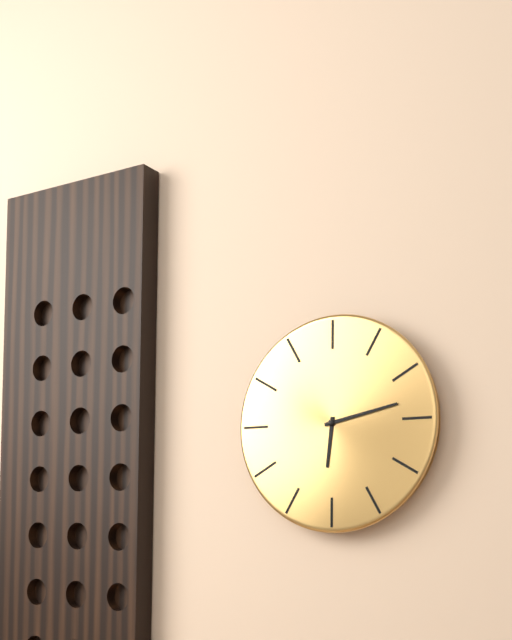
6:13
